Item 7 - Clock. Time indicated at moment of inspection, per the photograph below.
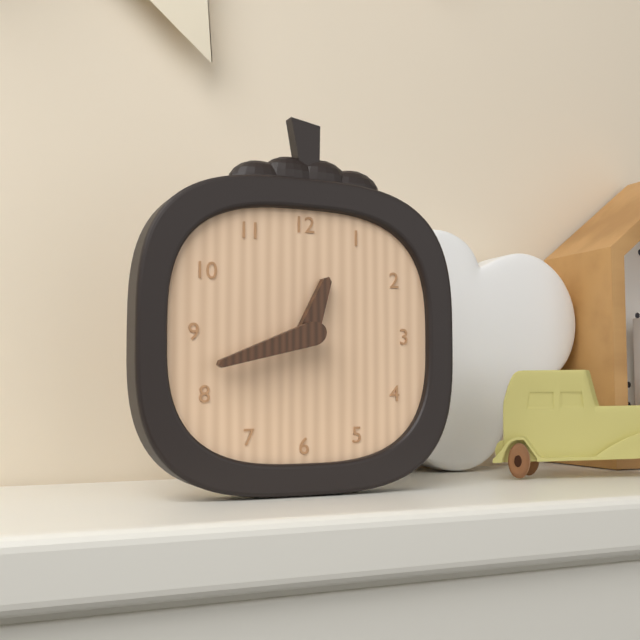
12:42
